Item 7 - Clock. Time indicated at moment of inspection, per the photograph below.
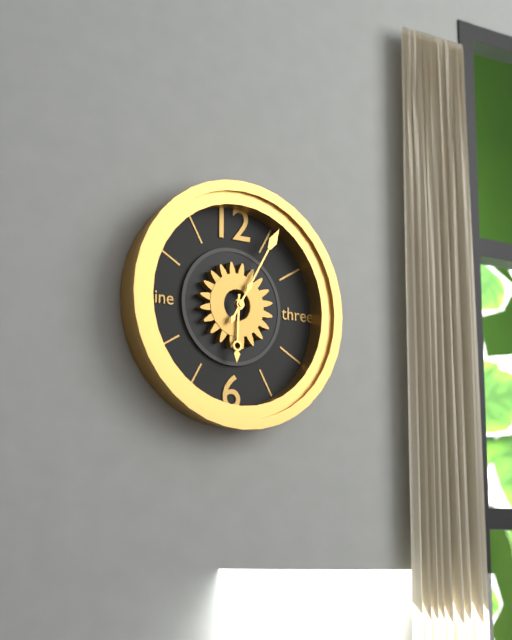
6:05
